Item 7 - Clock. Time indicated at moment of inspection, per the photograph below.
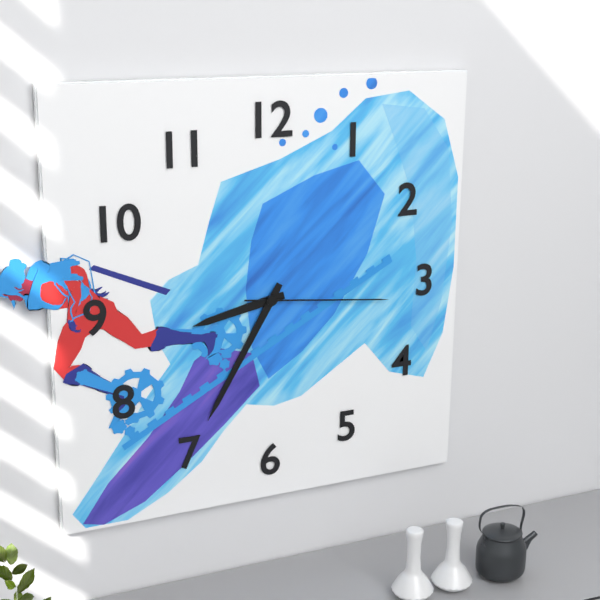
8:35:16
